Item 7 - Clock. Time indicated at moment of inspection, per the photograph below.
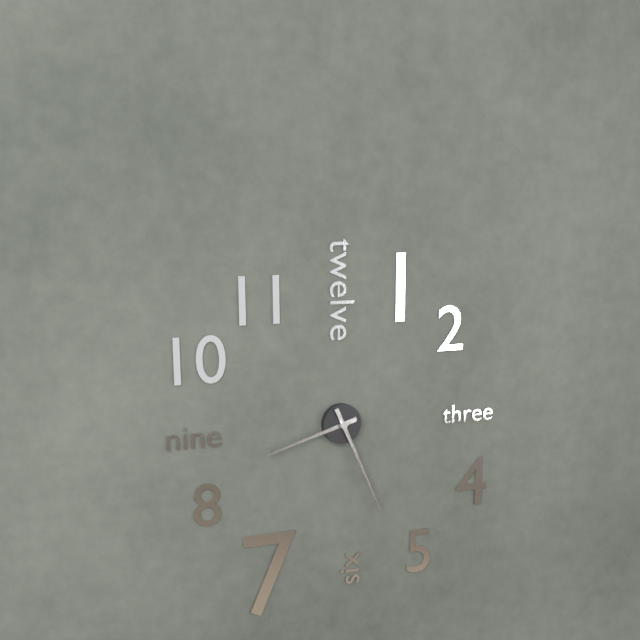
8:26
